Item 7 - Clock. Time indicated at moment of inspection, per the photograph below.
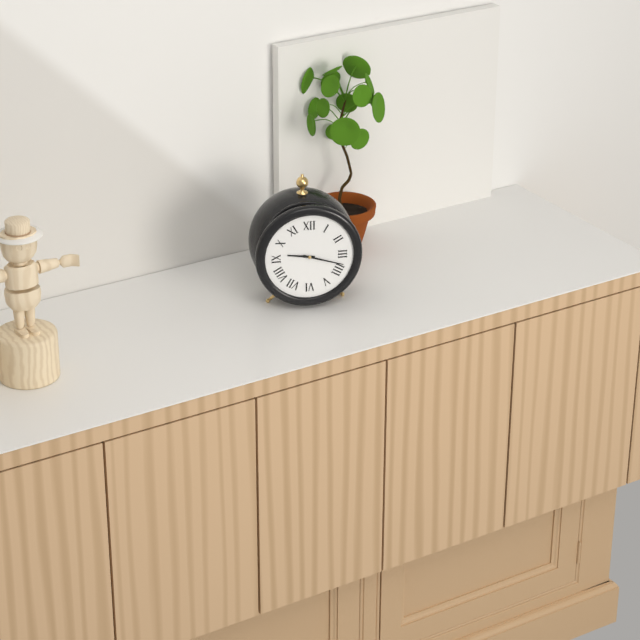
9:18
